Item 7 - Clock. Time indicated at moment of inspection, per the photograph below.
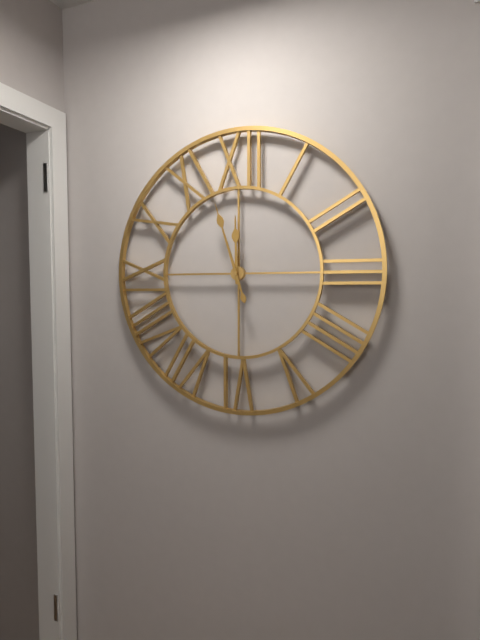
11:57
